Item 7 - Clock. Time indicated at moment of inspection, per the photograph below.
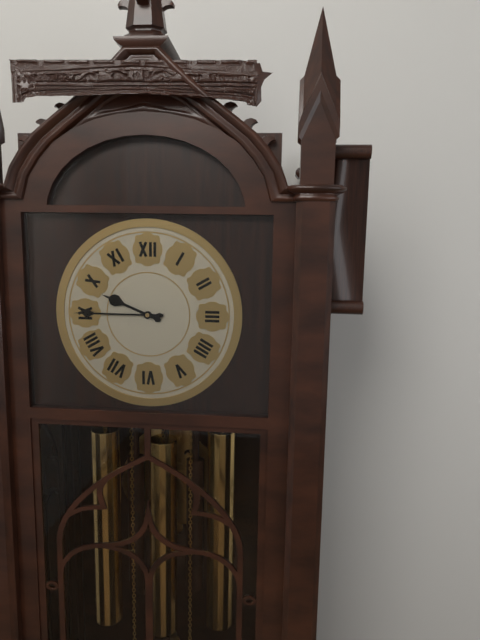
9:45
